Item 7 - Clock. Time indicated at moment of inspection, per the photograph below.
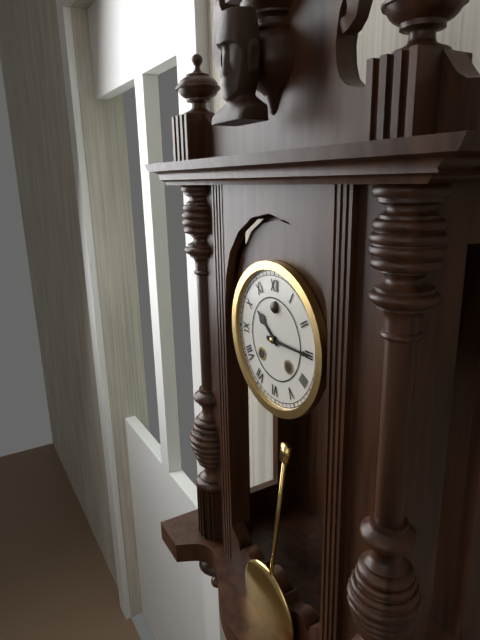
10:15
